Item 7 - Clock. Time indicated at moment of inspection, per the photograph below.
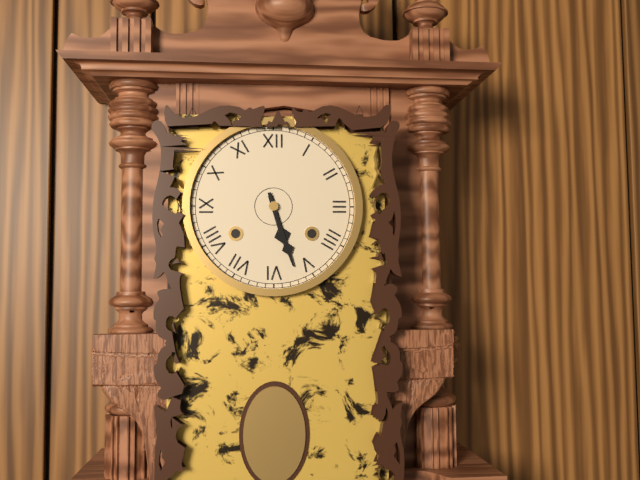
5:27
